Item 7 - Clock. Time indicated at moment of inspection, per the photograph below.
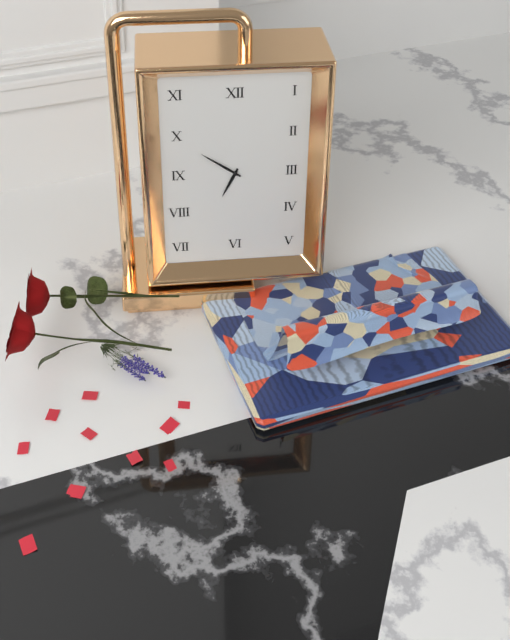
6:51
